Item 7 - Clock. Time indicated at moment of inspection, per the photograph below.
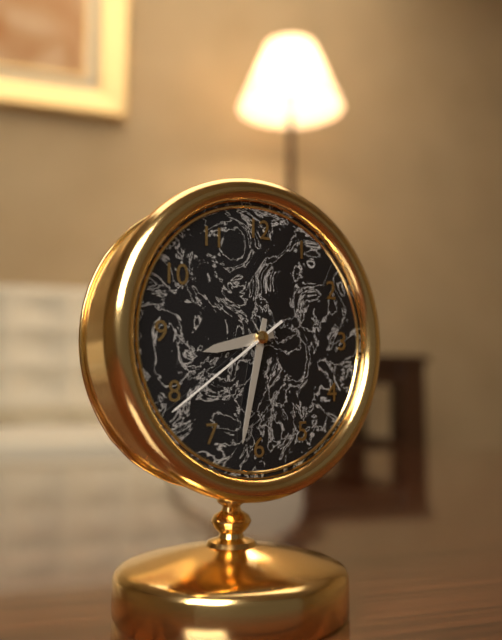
8:32:39
